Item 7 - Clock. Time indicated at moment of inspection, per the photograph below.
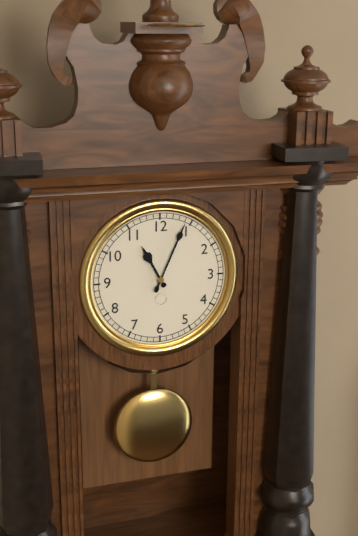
11:04
